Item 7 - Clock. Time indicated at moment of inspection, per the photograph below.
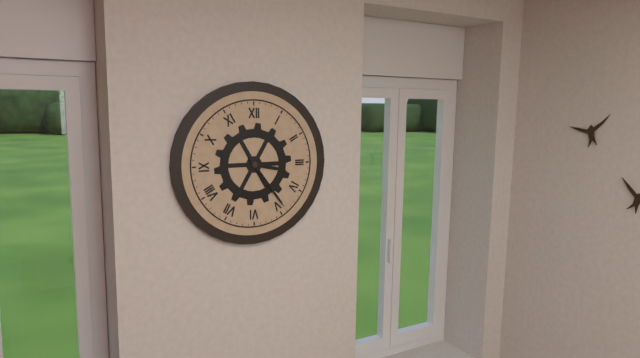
3:24
